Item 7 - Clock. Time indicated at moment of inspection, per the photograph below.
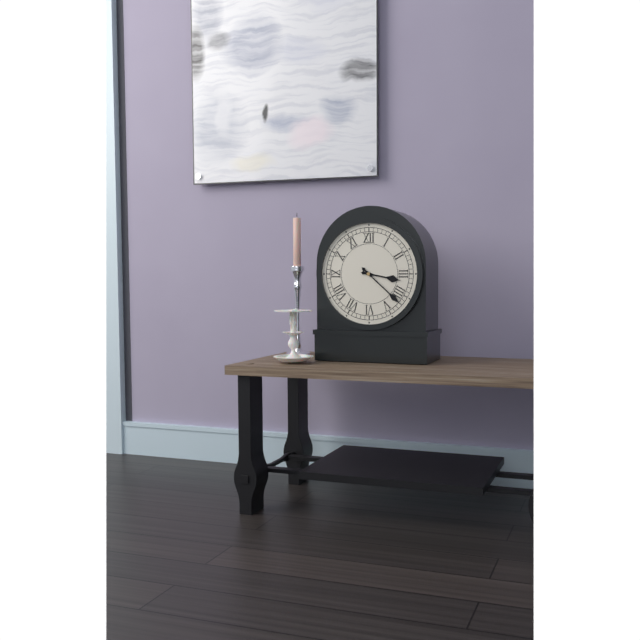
3:22
